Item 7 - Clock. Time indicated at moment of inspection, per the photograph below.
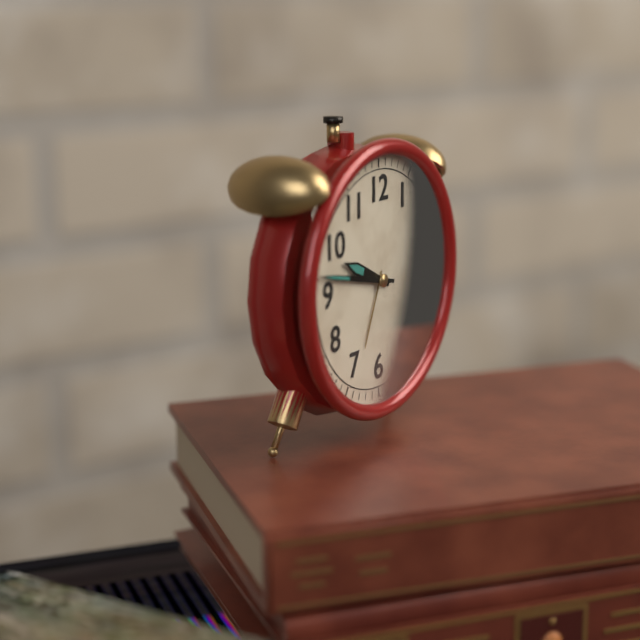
9:47
